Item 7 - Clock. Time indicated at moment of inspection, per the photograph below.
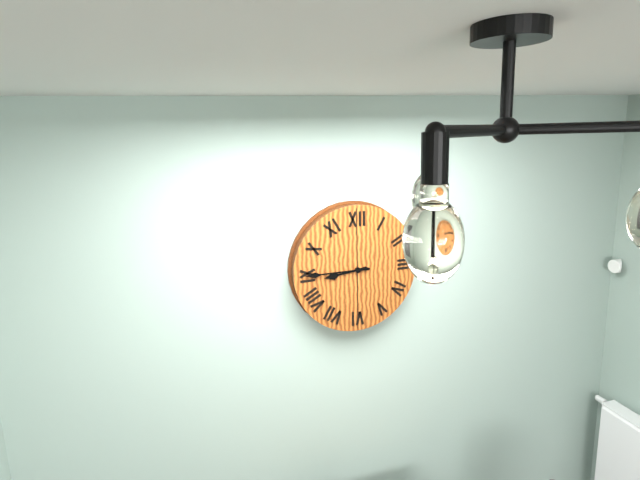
8:45
